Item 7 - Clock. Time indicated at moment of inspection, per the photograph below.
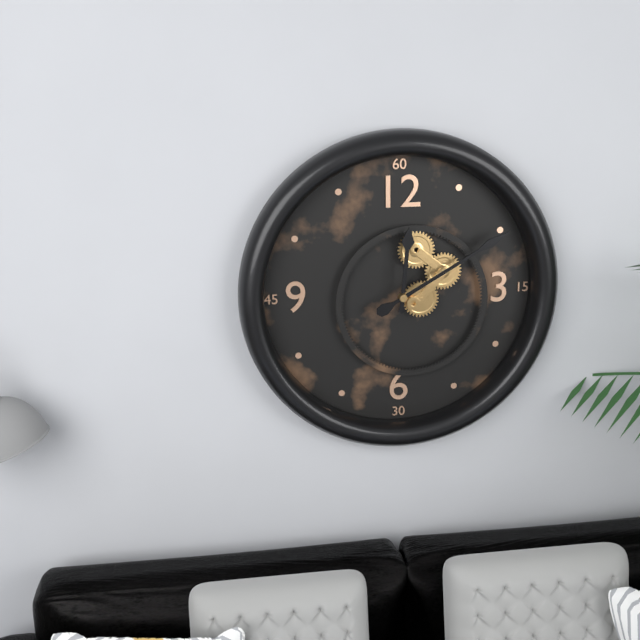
12:10
